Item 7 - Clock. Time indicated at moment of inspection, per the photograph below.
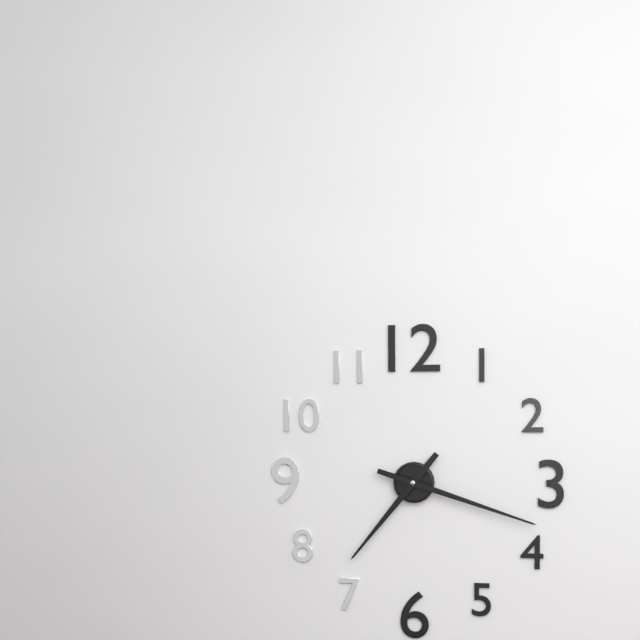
7:18
